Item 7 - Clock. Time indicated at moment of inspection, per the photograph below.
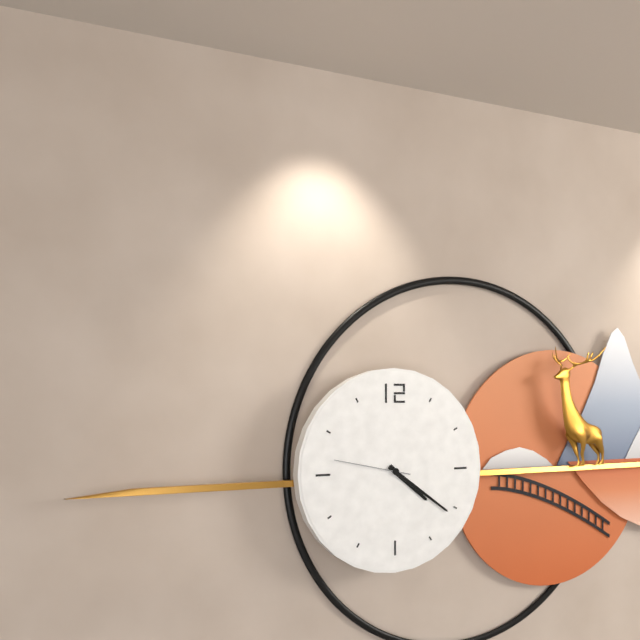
4:21:47
